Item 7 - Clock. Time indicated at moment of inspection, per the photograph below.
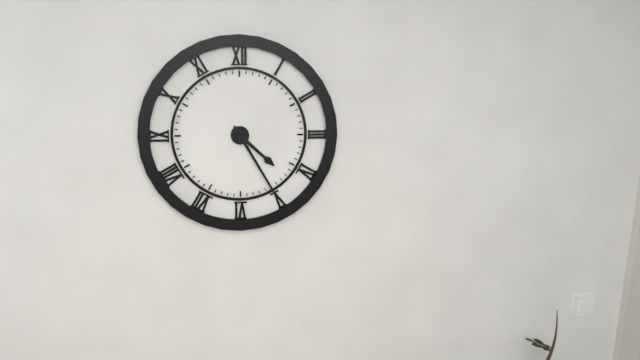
4:25
